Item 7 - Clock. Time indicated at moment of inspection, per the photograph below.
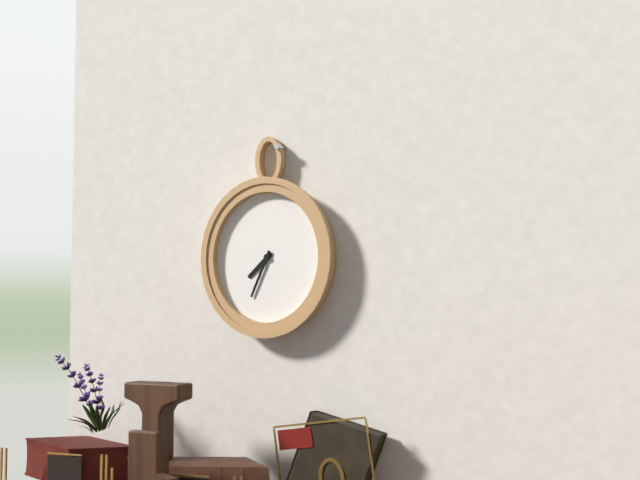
7:34
